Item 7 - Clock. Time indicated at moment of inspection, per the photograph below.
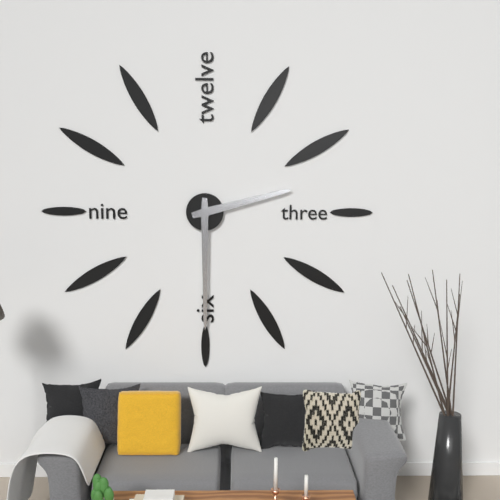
2:30
